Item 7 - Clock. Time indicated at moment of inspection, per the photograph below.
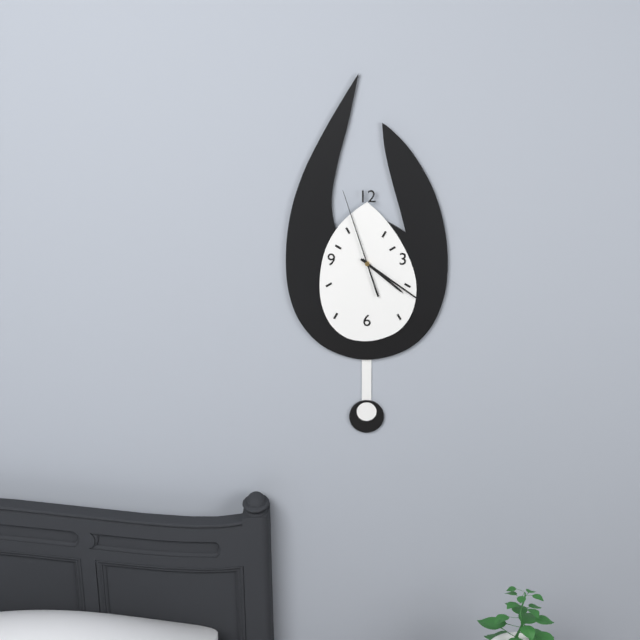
4:21:57
